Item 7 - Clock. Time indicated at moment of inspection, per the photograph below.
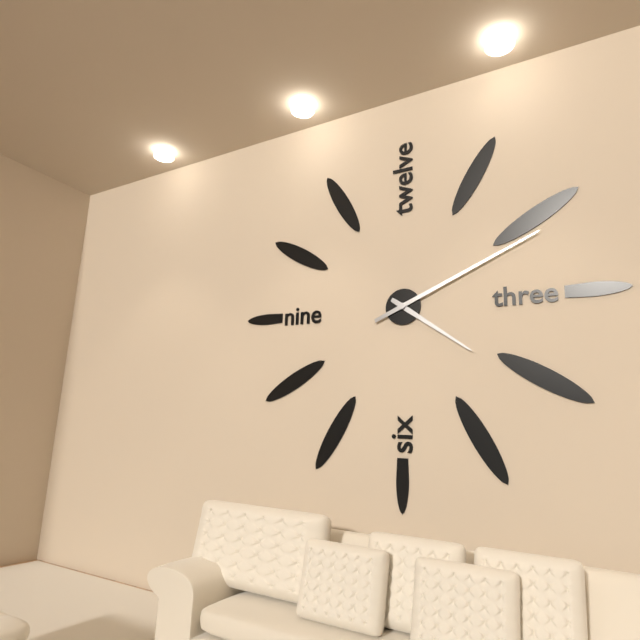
4:11
